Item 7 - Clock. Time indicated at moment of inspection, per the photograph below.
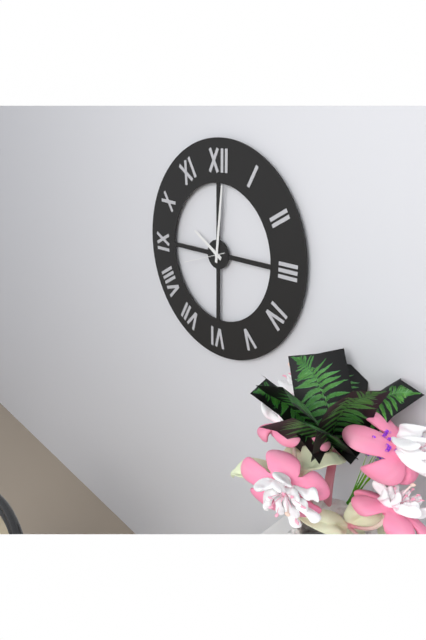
10:01
